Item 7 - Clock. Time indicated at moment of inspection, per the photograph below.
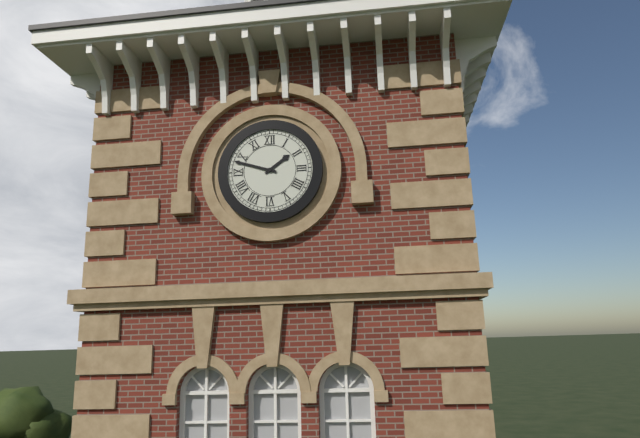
1:48
